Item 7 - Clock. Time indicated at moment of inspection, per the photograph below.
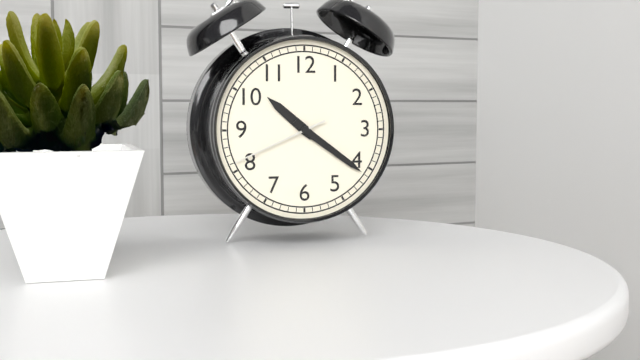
10:21:41
